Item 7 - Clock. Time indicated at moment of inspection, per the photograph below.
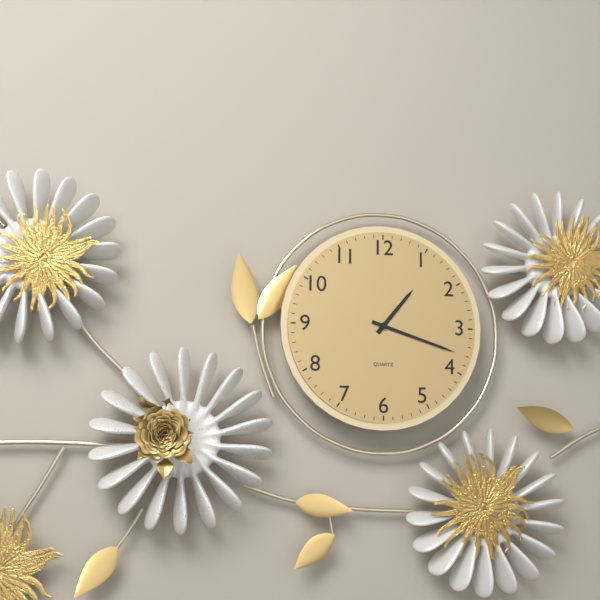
1:18
